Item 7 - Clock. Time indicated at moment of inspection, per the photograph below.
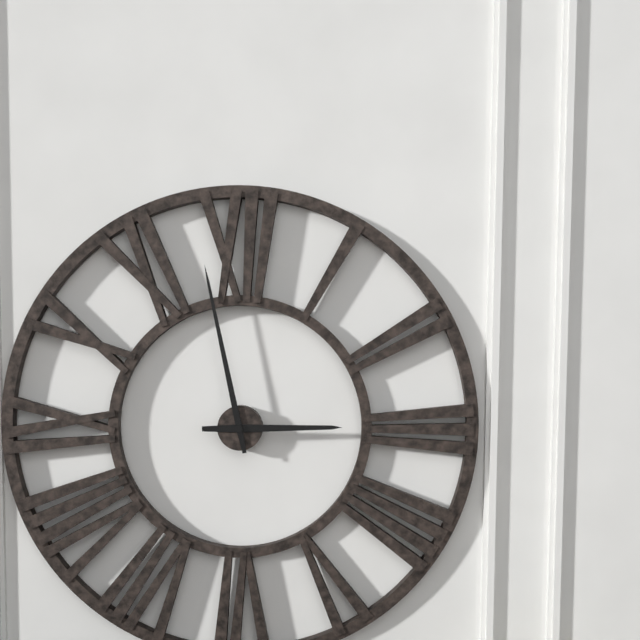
2:58
